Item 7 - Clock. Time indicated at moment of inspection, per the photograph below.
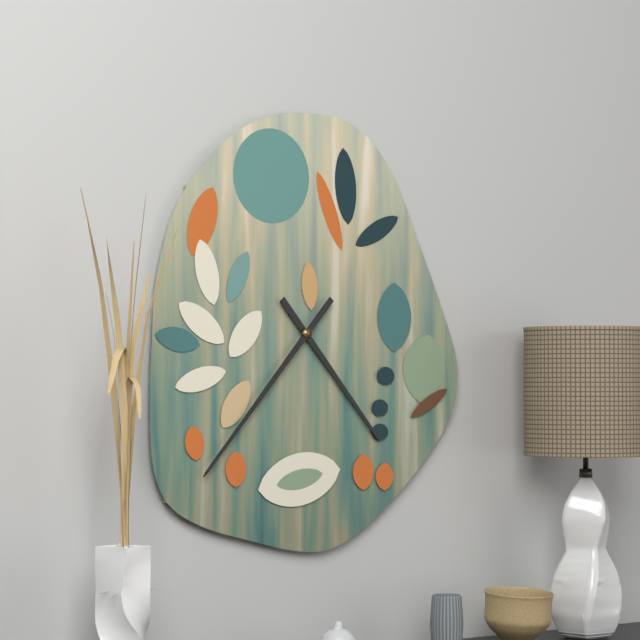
4:37
